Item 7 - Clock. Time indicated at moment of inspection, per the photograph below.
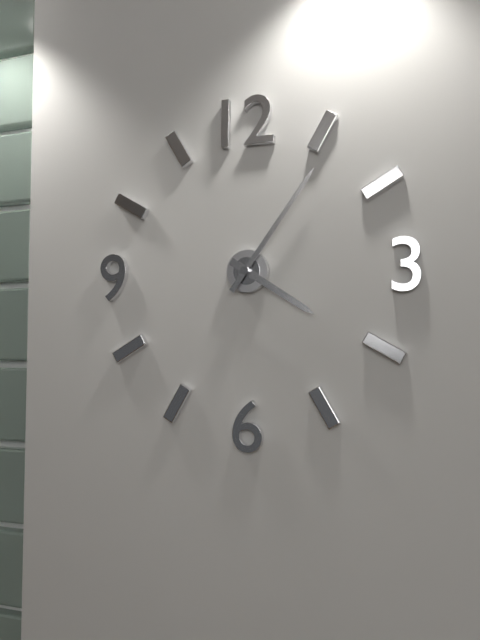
4:06
